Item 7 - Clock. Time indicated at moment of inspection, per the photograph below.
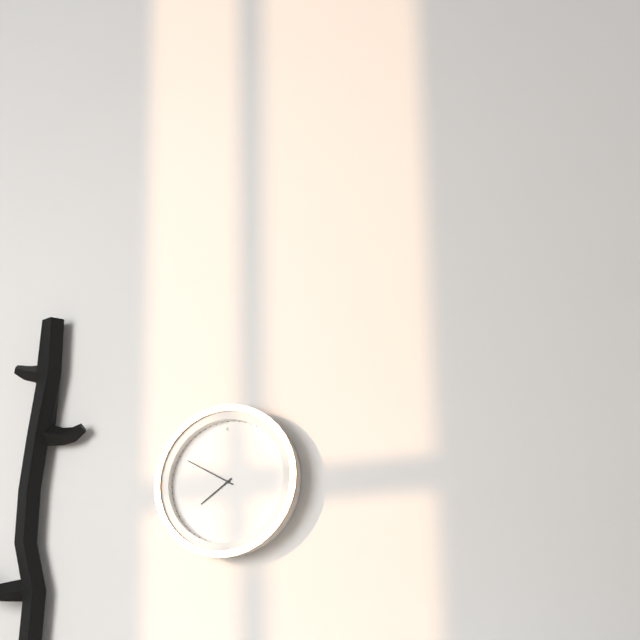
7:50
